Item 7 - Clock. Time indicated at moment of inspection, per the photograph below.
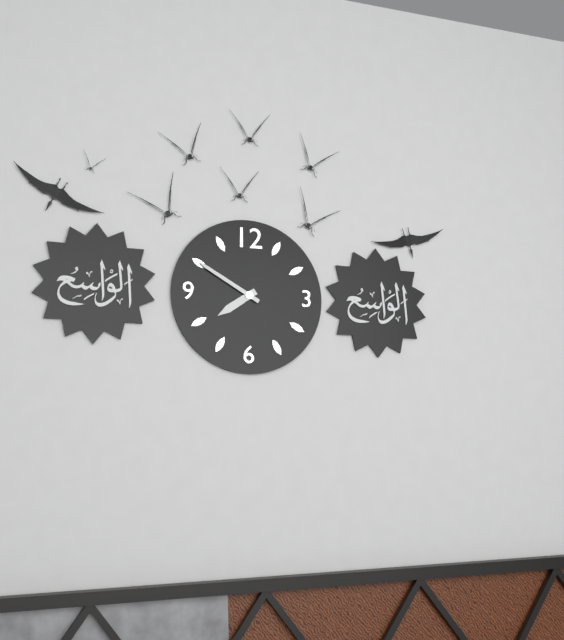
7:50
